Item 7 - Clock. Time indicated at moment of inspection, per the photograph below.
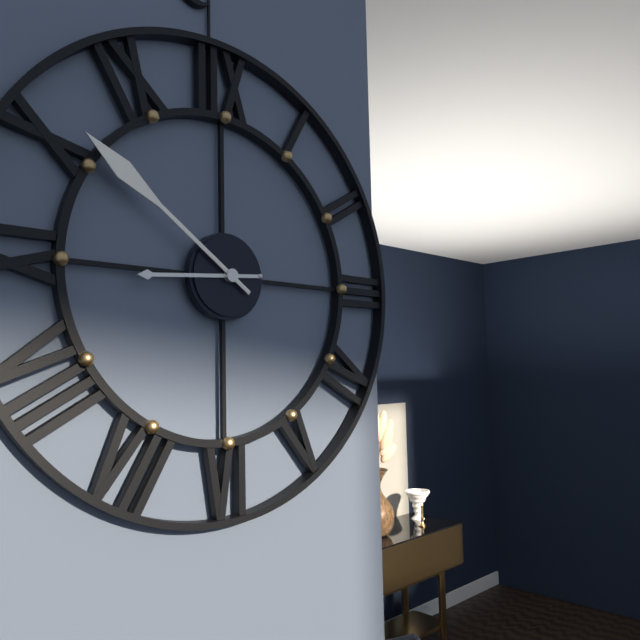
8:51
